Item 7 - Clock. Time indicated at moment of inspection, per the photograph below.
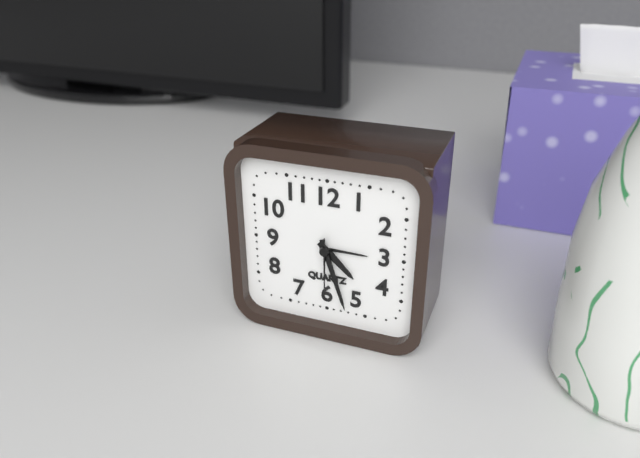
4:27:30
